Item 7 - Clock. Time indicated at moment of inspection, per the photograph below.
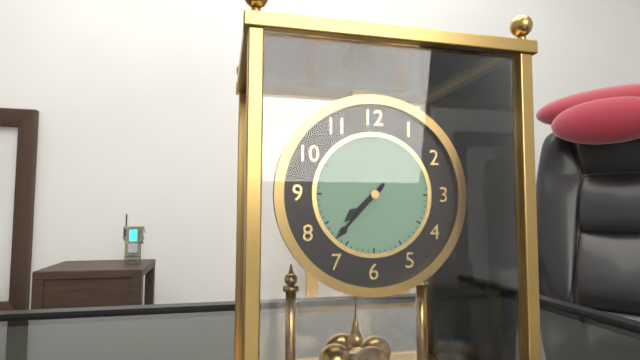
7:37
